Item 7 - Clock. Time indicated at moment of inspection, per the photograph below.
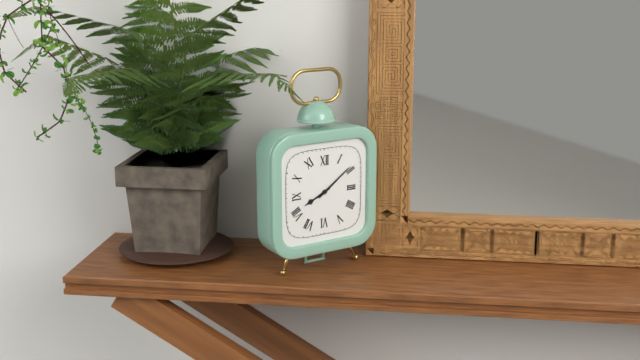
8:09
